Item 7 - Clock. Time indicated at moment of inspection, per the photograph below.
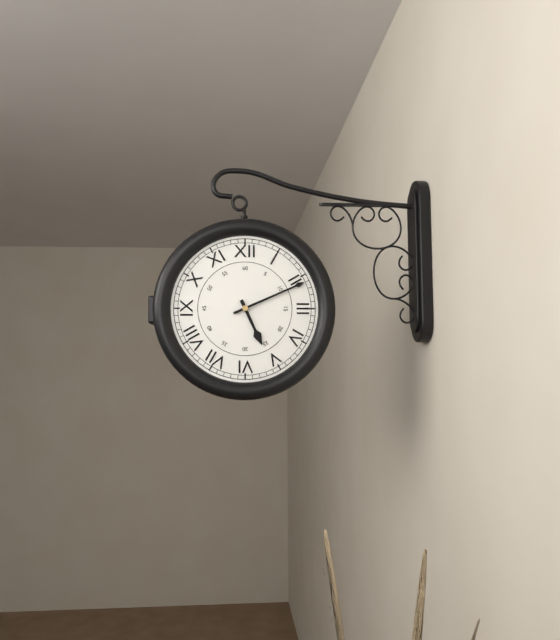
5:11
